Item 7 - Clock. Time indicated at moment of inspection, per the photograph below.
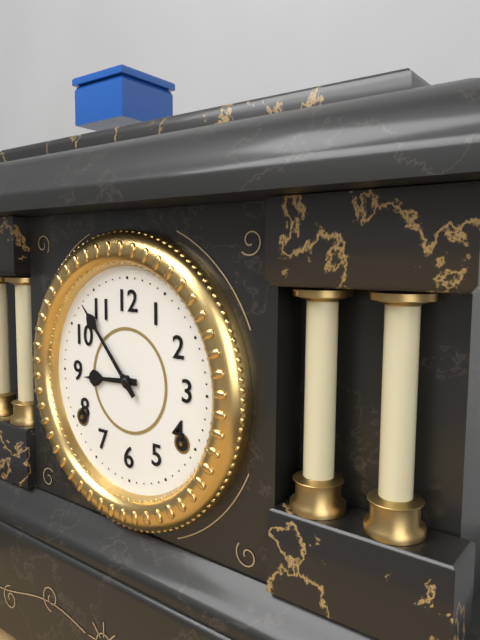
8:53
